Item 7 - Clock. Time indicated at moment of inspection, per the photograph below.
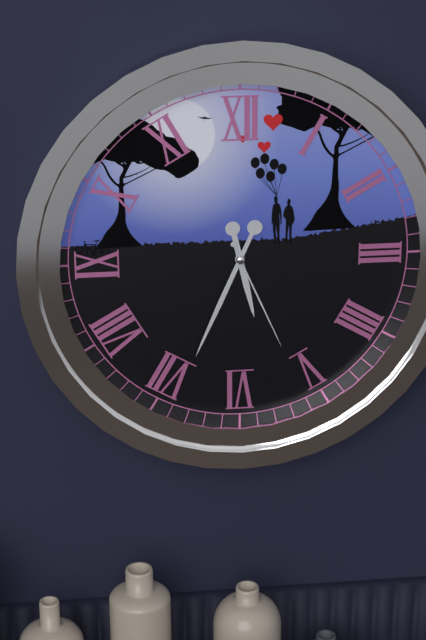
5:34:26
